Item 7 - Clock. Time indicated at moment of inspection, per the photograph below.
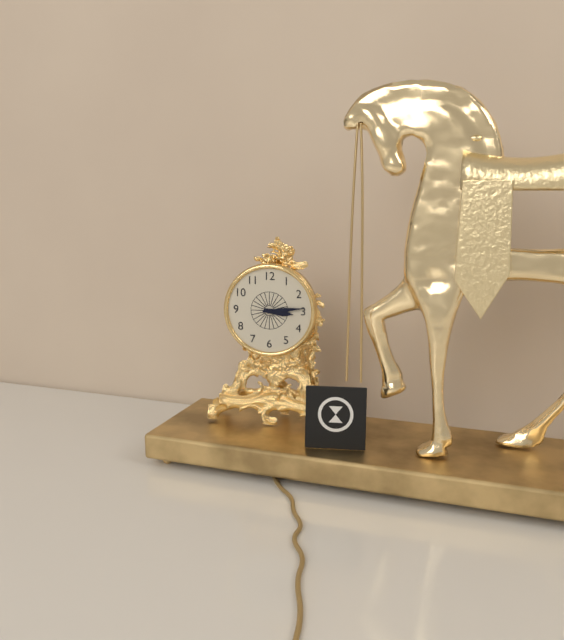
3:14
